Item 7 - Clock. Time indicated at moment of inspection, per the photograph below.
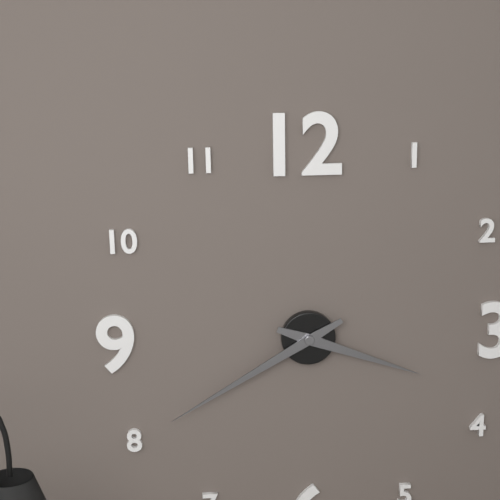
3:40
